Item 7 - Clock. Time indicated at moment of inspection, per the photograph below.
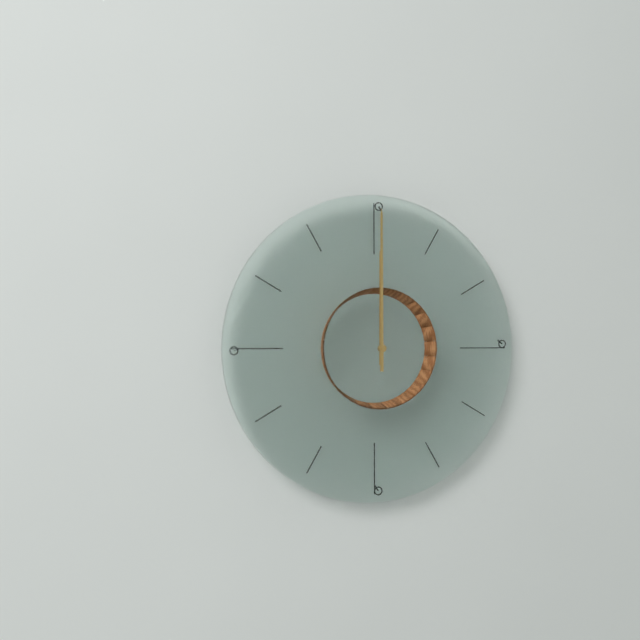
12:00
